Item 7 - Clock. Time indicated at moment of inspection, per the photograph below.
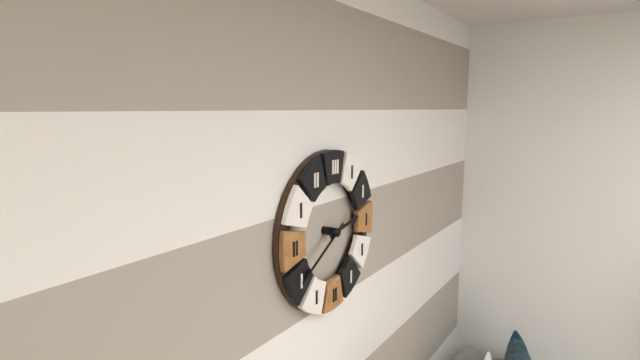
2:40
